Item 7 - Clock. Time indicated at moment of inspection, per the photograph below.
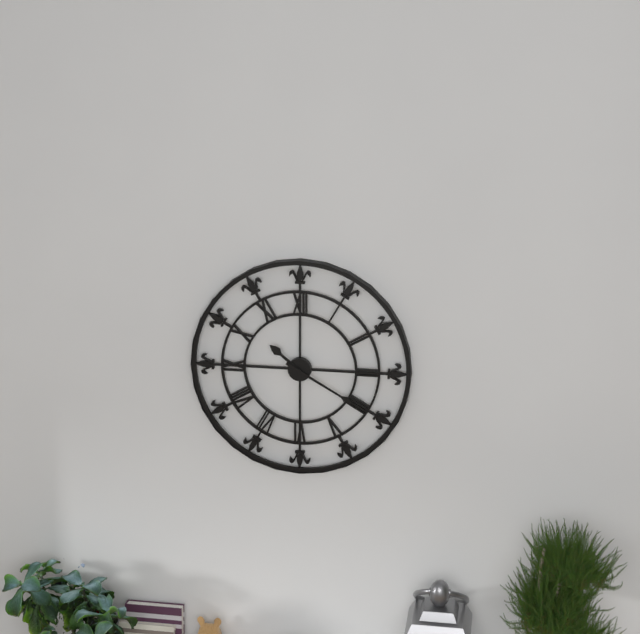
10:20
